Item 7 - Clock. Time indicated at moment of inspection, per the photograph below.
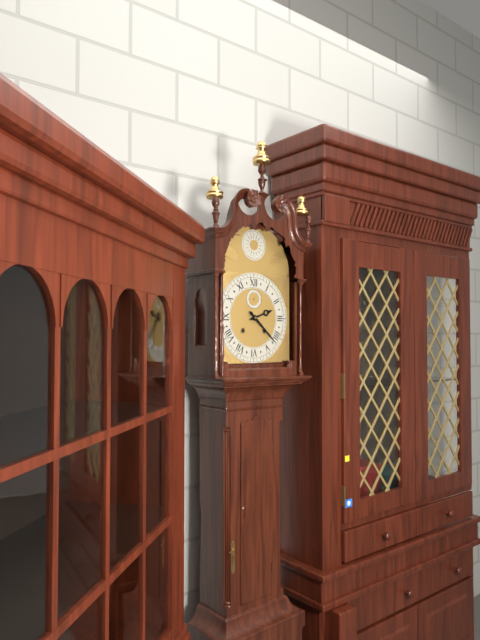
2:22
